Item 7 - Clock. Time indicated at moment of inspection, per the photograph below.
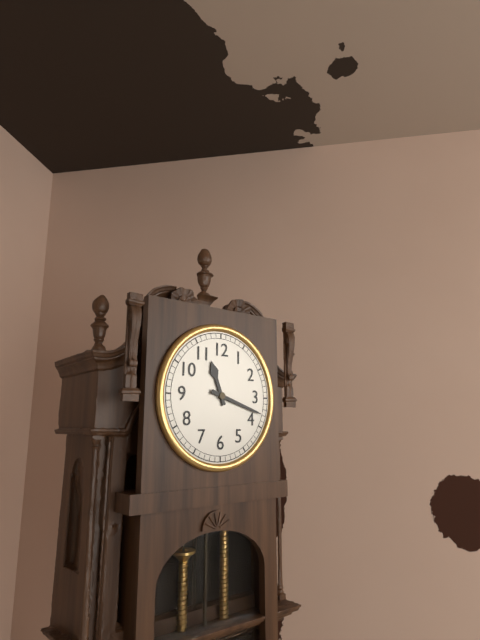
11:18
